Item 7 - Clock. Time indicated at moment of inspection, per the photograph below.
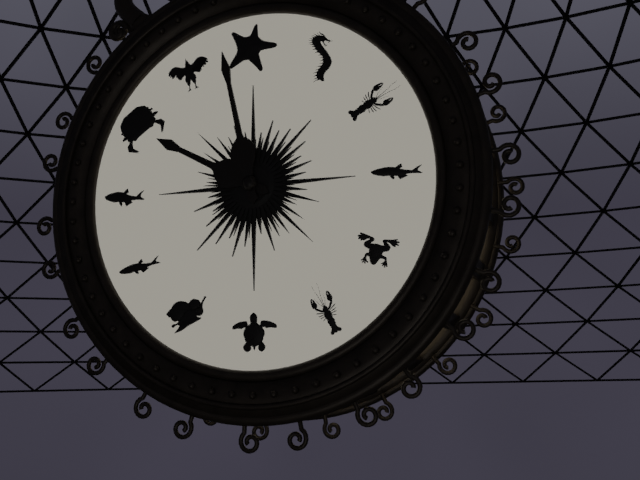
9:58
